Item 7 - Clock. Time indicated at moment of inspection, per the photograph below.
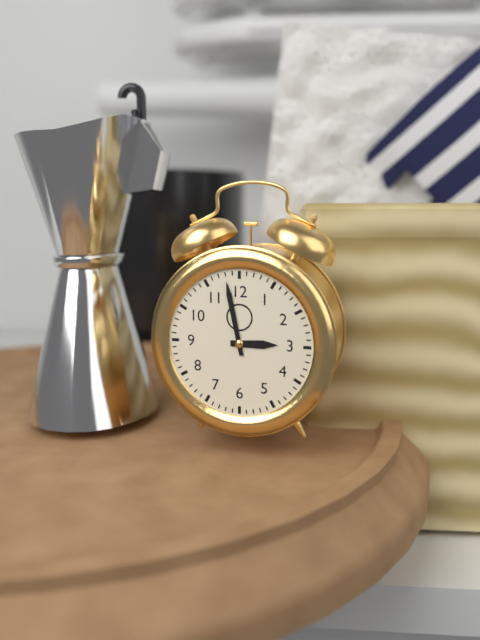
2:58
